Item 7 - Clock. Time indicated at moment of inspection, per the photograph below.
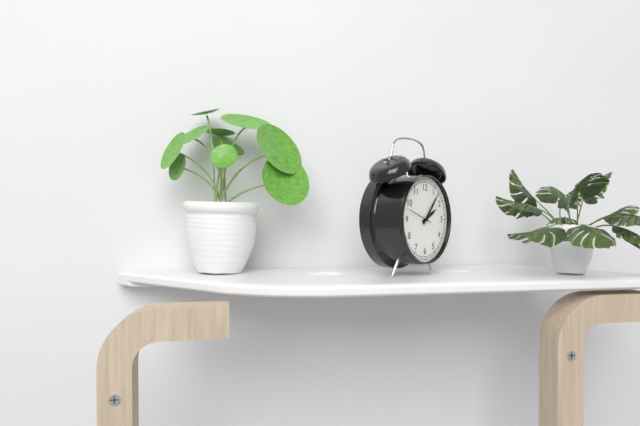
2:07
